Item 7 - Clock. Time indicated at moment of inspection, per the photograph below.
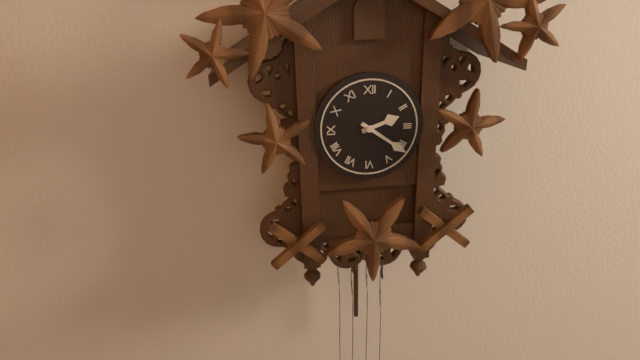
2:21
